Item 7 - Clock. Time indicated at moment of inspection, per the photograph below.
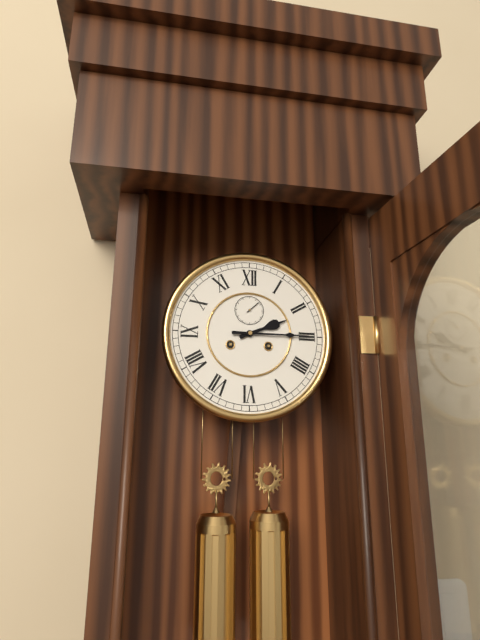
2:15
